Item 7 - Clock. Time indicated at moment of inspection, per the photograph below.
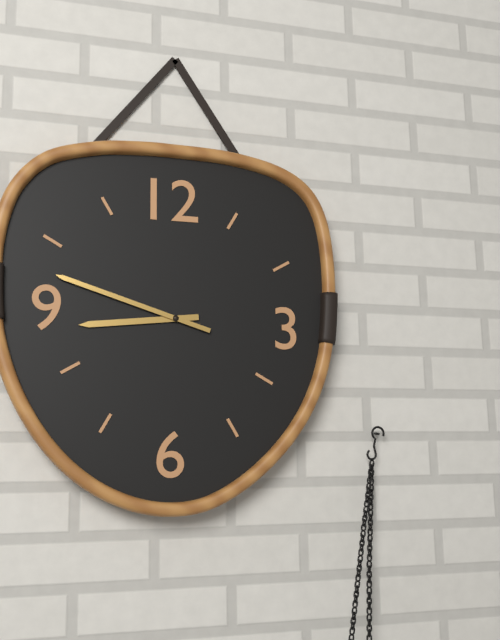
8:48
